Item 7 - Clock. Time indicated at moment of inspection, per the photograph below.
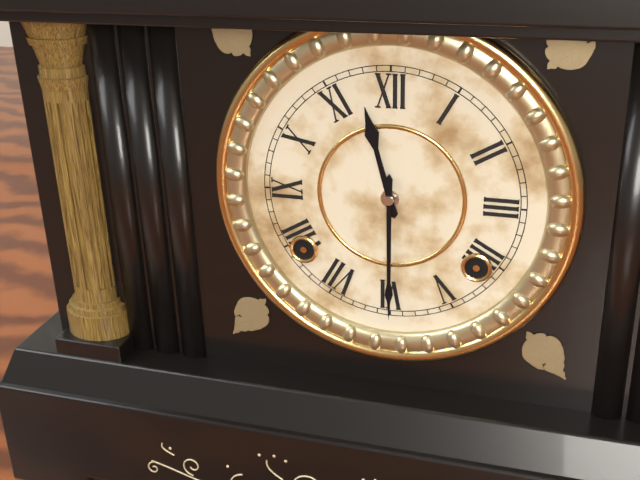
11:30
